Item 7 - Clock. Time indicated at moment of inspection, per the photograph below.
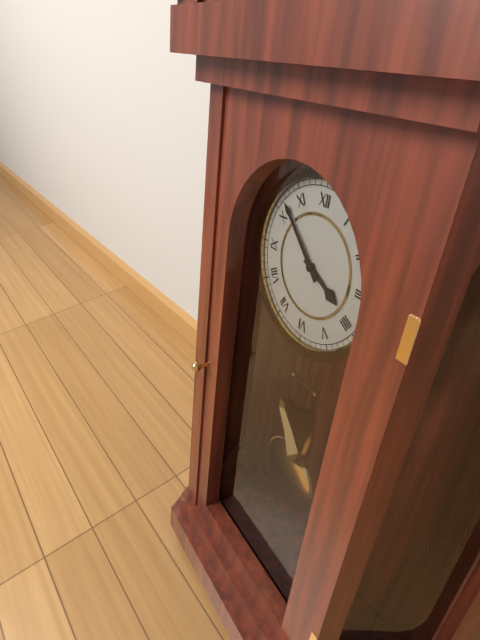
3:52
